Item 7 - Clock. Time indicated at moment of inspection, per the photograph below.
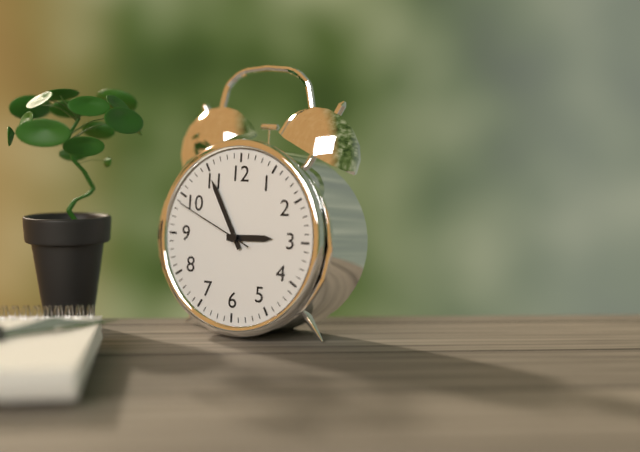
2:55:49
